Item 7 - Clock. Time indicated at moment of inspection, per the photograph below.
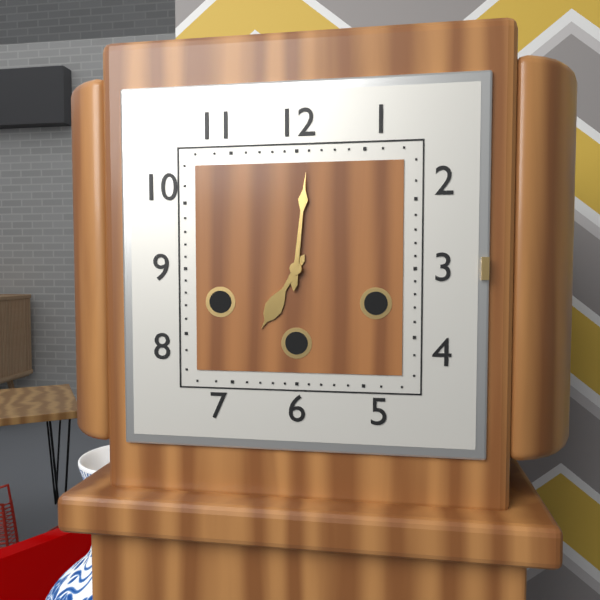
7:01
